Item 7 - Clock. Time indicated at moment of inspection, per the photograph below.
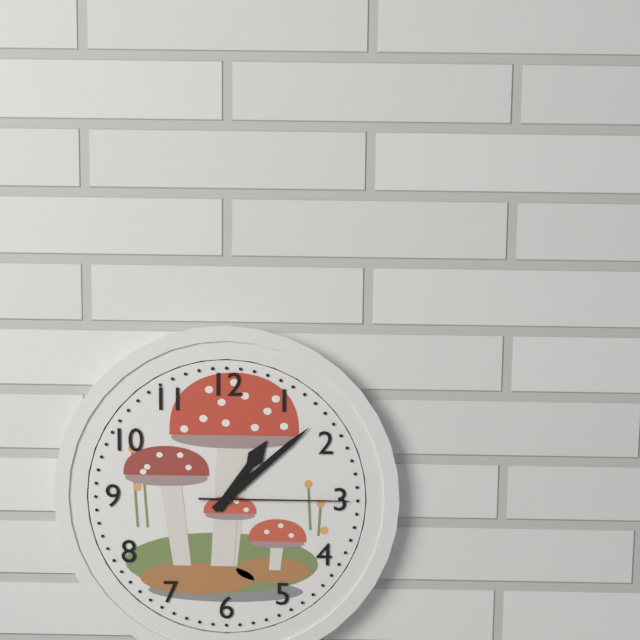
1:08:15
